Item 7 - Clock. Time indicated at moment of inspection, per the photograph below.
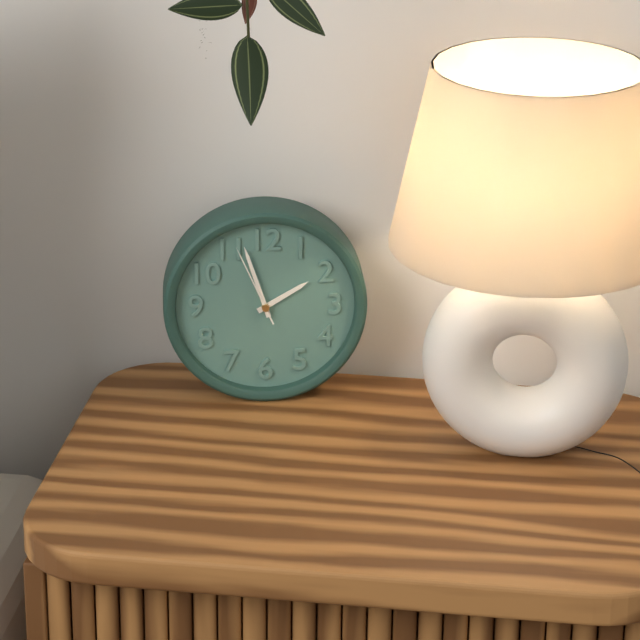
1:57:56
